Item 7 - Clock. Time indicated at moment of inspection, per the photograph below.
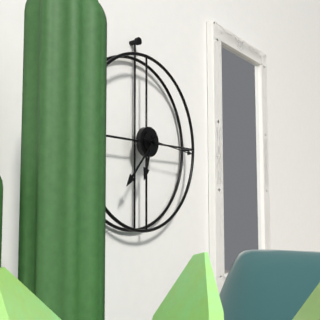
6:37:16
